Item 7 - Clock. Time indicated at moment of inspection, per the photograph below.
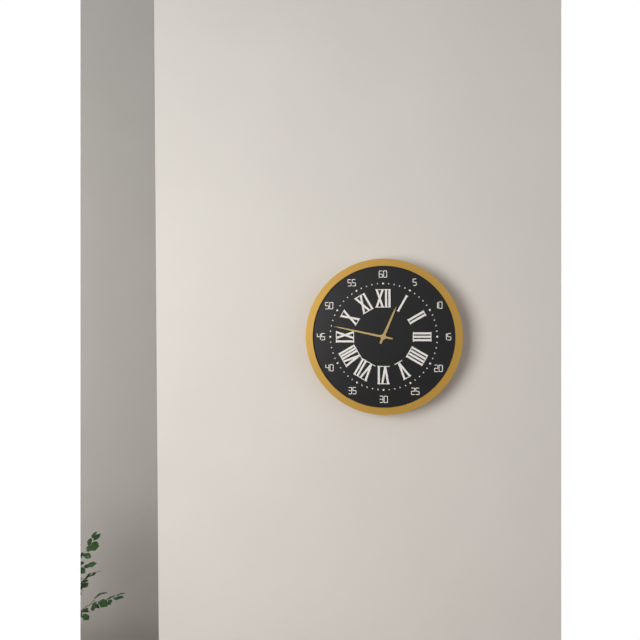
12:47
